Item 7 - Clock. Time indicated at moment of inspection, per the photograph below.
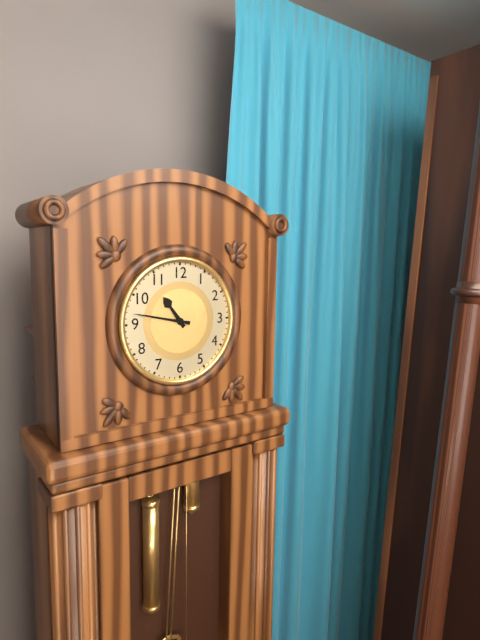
10:47
